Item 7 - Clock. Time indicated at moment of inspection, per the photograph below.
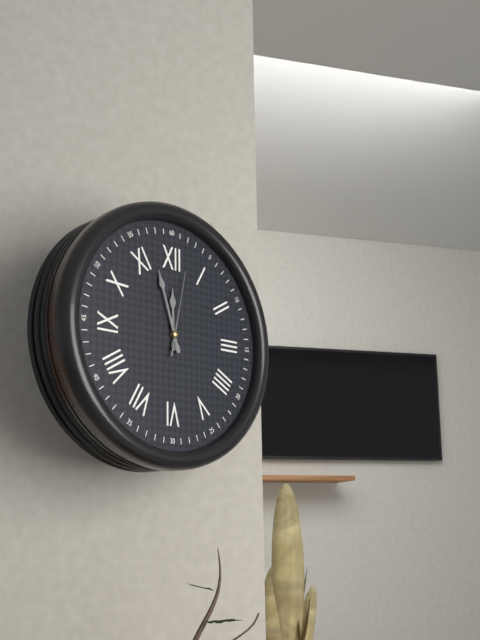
11:57:02
